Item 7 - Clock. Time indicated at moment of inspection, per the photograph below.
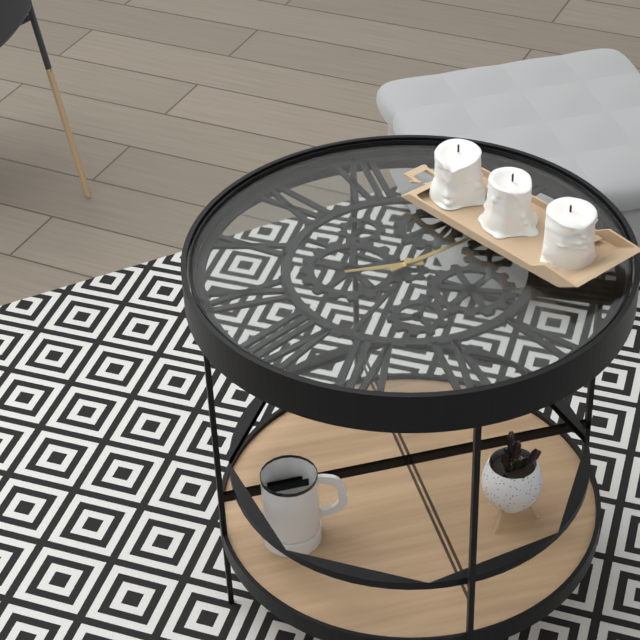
9:12
